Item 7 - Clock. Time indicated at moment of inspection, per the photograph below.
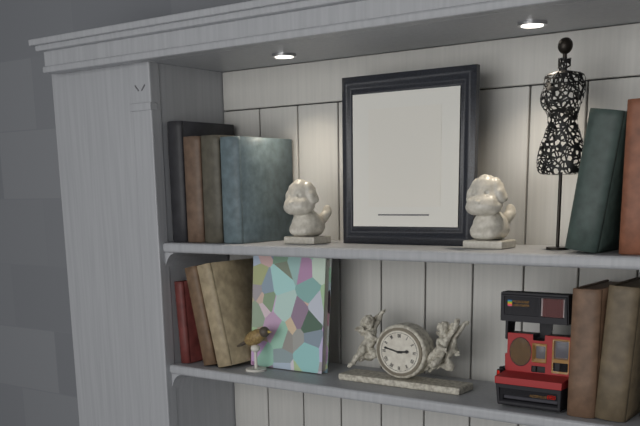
2:47
